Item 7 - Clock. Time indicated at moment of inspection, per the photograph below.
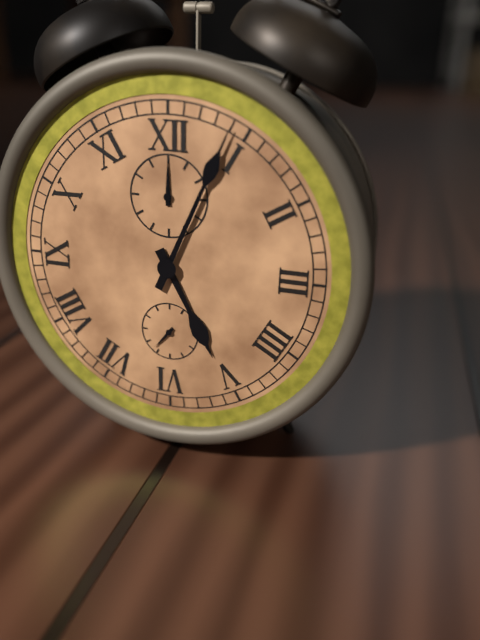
5:04
